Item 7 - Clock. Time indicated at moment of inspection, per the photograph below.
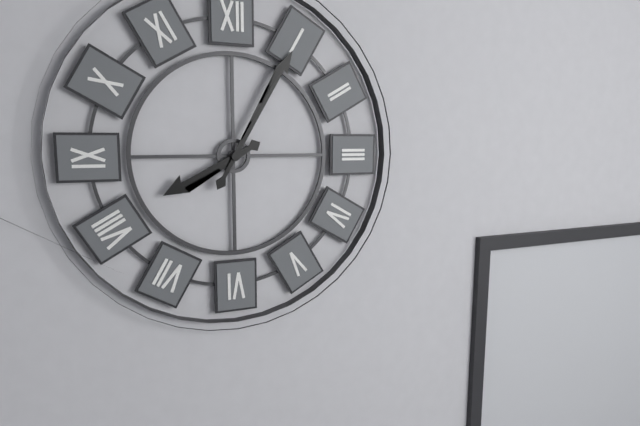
8:05
